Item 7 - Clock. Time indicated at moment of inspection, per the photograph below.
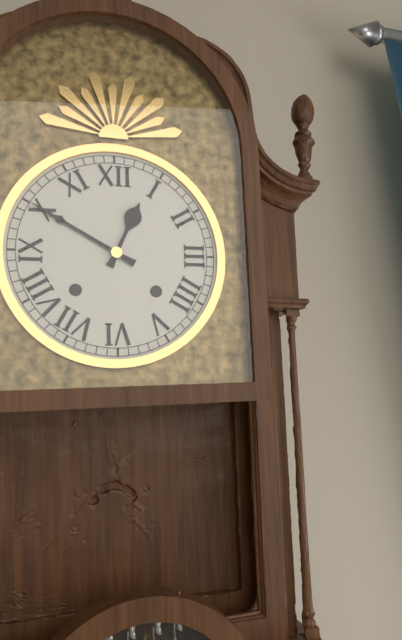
12:50
